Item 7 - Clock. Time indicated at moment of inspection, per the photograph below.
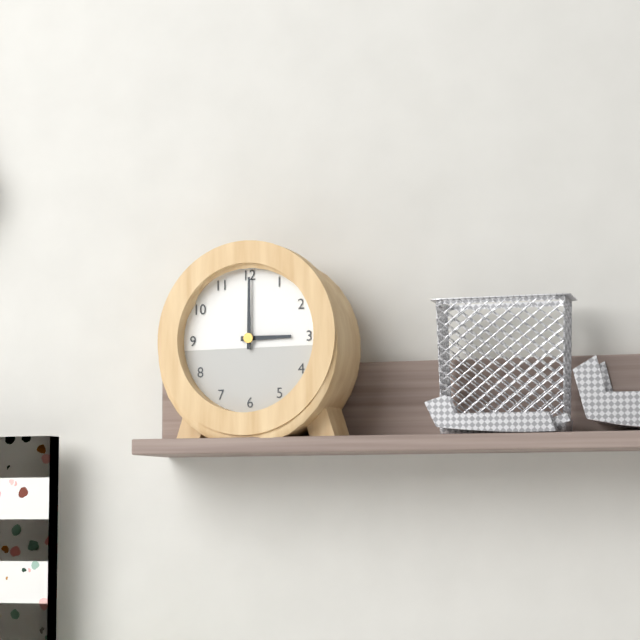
3:00
